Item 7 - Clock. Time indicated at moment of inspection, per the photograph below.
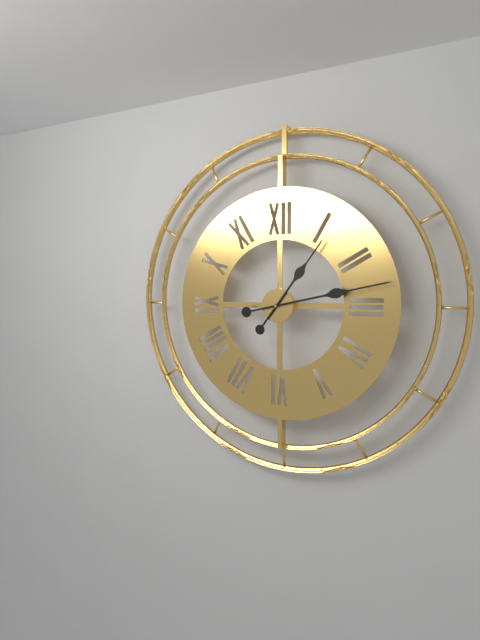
1:13
